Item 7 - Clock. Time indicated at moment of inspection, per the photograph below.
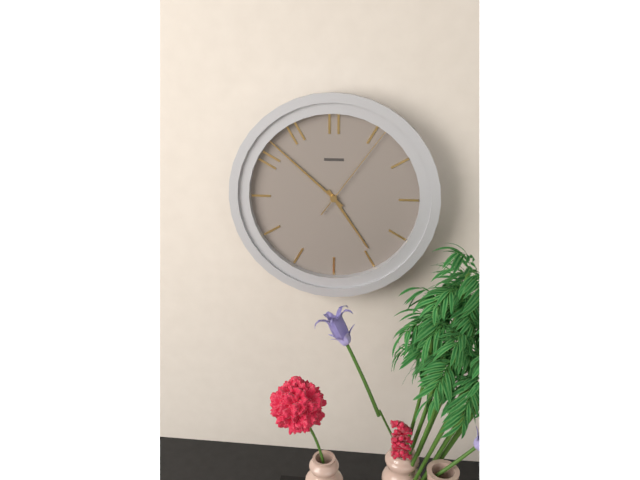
4:52:06
